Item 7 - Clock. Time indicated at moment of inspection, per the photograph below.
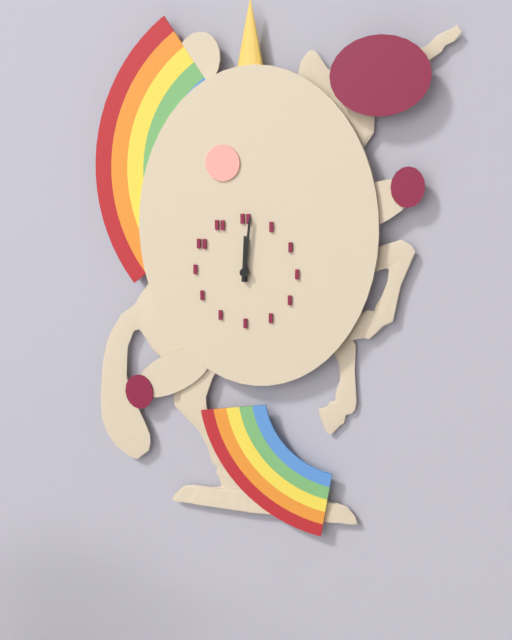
12:01
